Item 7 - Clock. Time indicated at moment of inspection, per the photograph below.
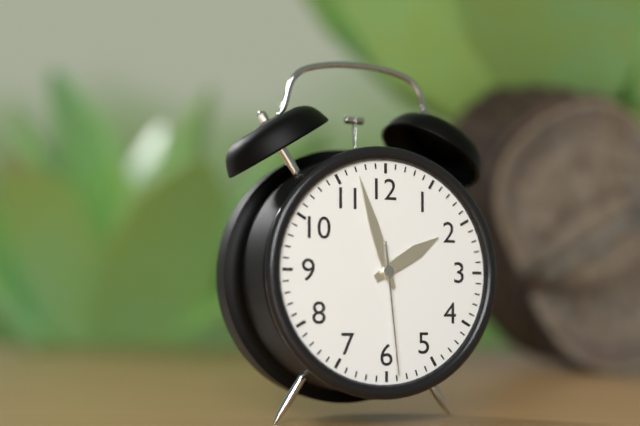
1:57:29
